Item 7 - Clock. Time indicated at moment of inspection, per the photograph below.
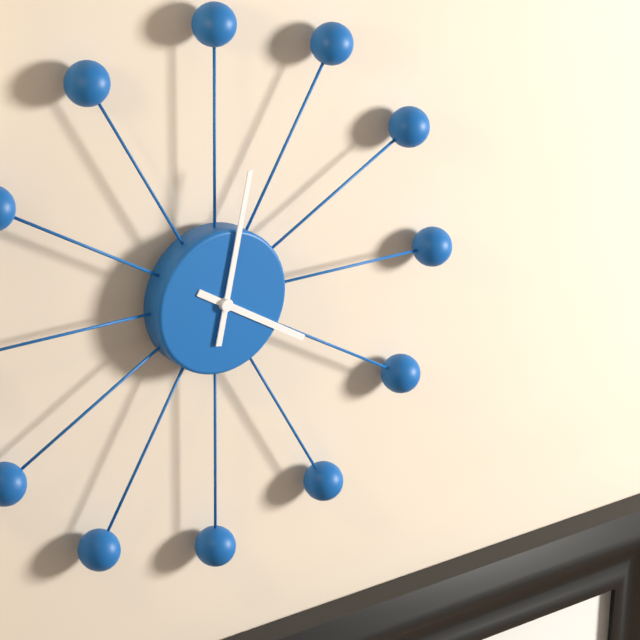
4:02
